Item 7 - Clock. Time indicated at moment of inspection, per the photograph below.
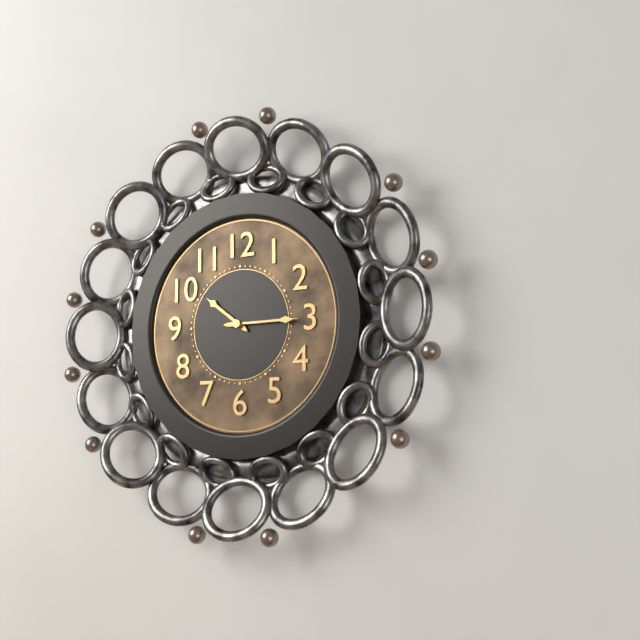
10:15
